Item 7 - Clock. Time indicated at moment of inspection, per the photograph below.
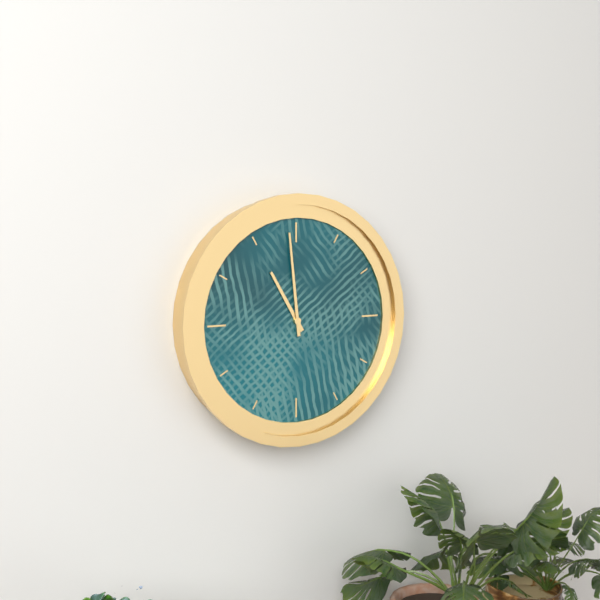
10:59
